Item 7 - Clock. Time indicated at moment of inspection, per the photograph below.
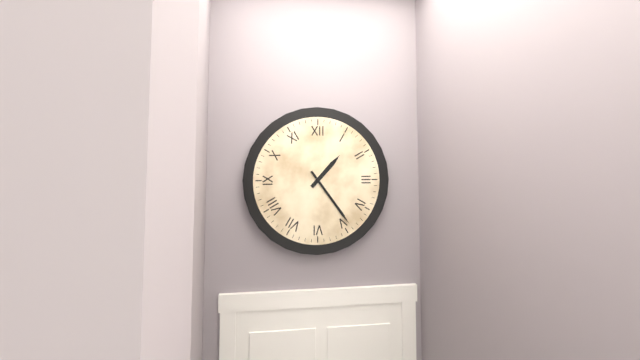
1:24
